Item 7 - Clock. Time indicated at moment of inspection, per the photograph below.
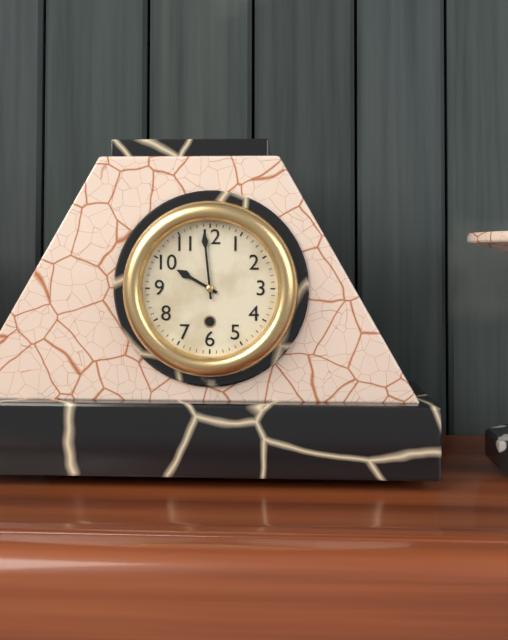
9:59
